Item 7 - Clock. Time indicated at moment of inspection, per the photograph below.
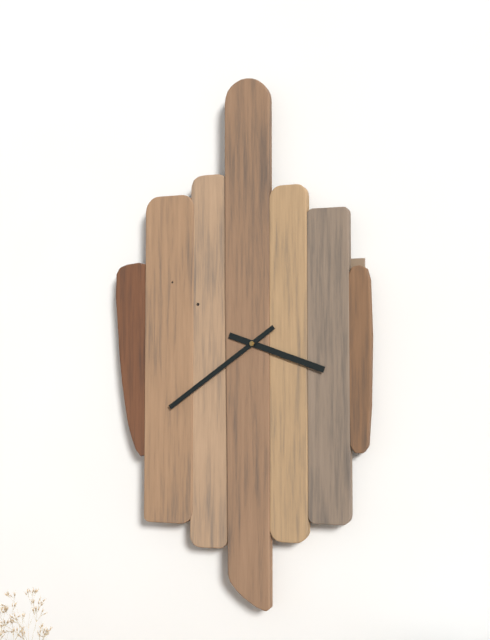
3:39
